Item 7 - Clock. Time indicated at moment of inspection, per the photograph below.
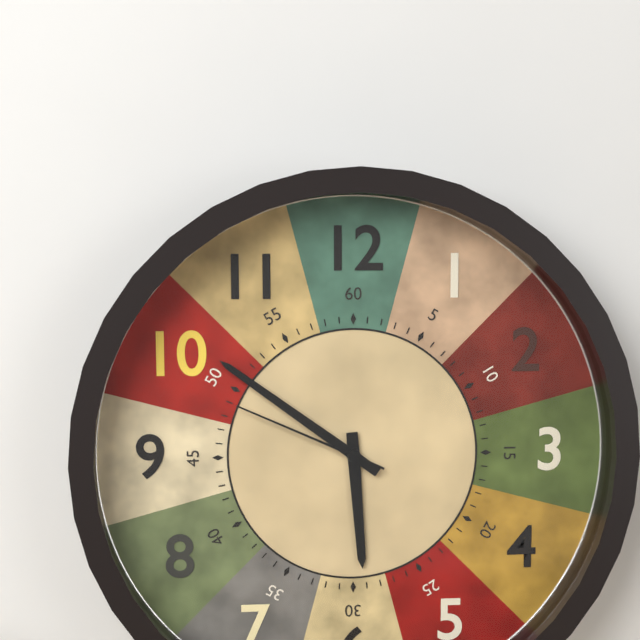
5:51:49
